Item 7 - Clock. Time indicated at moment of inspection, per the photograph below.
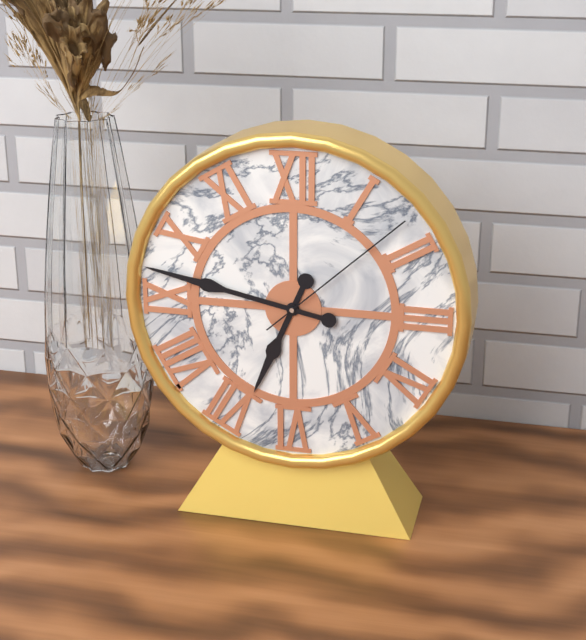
6:47:08
